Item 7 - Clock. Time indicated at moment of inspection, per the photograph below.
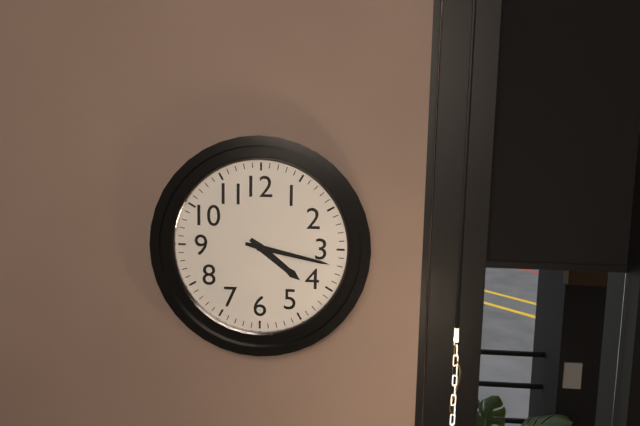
4:17
